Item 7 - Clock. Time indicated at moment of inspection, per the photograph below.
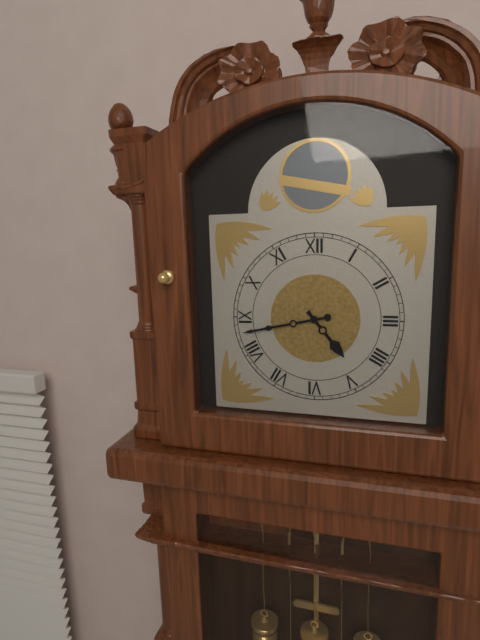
4:43
